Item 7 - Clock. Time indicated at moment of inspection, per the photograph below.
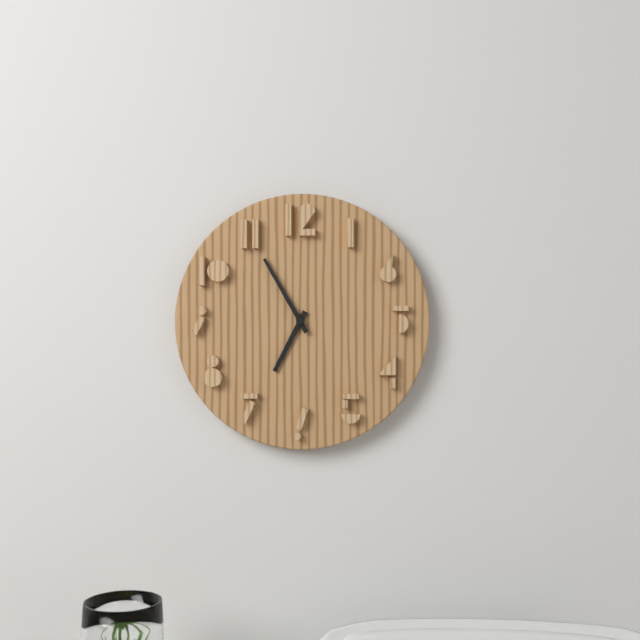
6:55
